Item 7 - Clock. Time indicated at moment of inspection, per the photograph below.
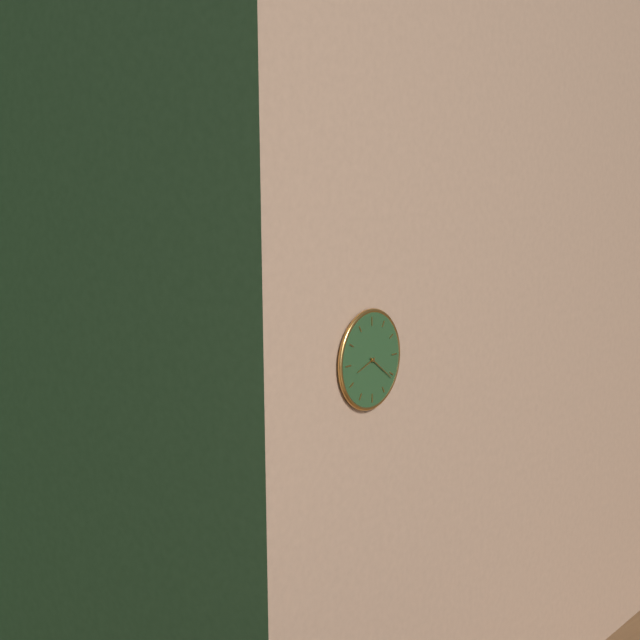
8:21
